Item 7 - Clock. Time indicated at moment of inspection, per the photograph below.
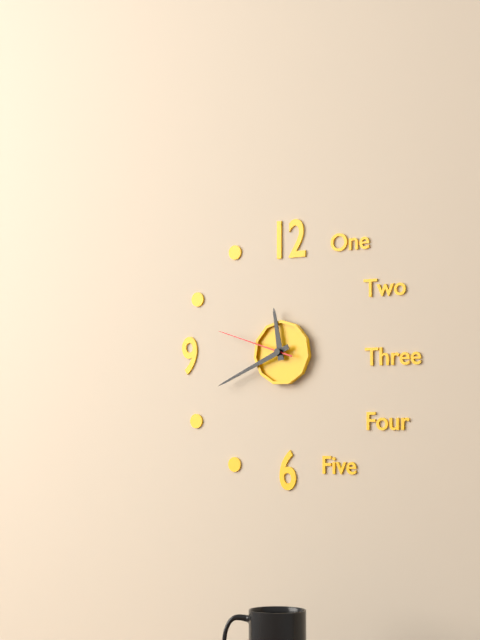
11:41:48
